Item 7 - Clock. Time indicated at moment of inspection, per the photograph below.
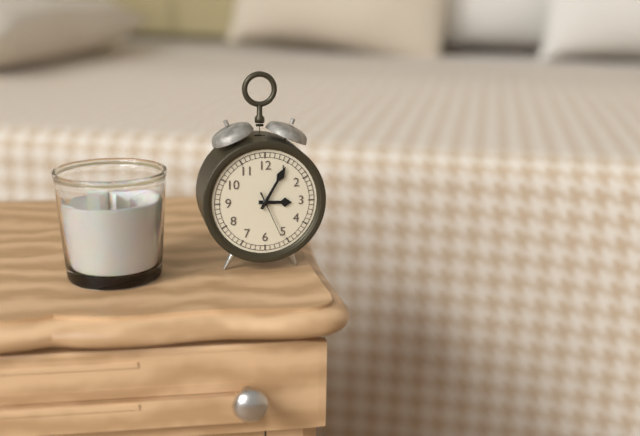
3:05
